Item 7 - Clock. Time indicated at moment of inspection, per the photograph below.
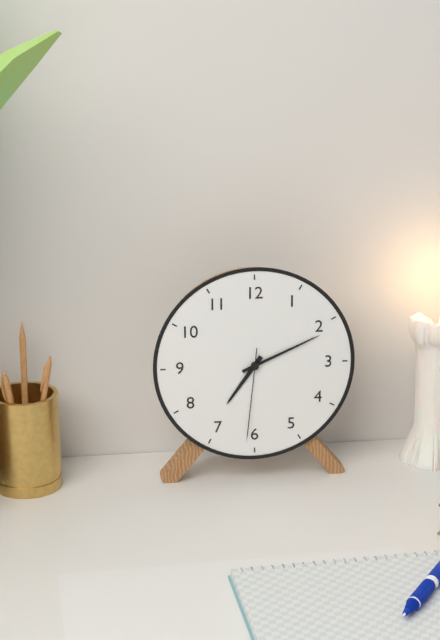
7:11:31
